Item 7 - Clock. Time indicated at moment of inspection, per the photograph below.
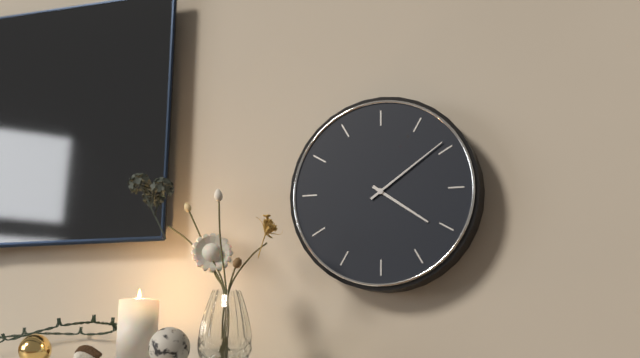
4:09
